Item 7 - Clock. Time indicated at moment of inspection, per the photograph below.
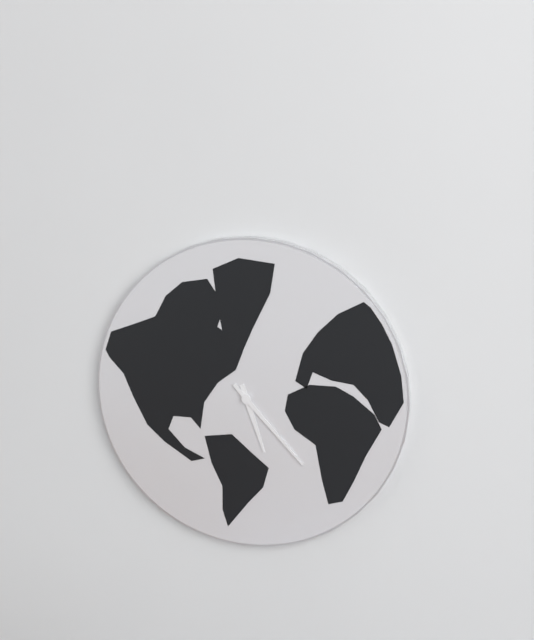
5:23
